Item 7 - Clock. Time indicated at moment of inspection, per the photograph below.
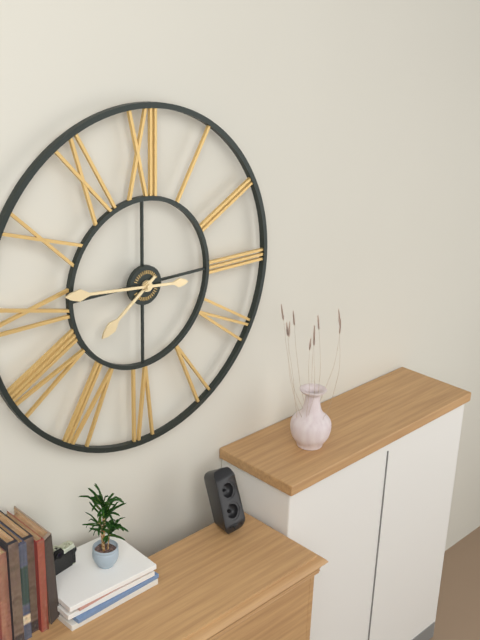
7:46
